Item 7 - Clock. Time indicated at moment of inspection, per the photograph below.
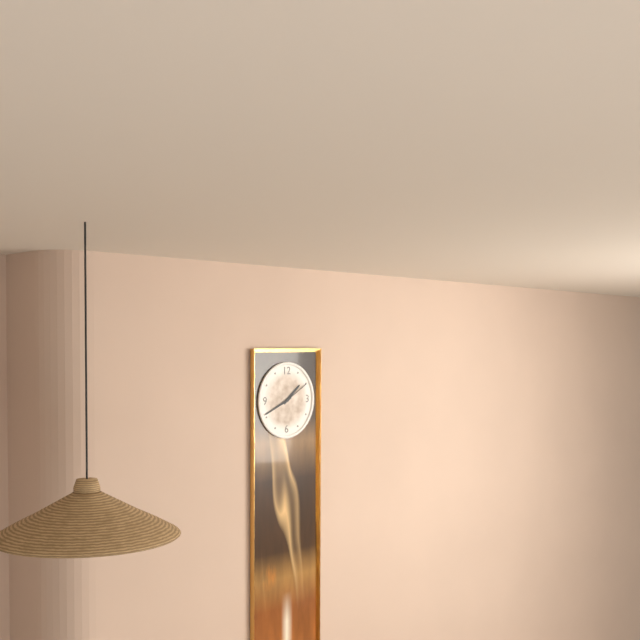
1:41
